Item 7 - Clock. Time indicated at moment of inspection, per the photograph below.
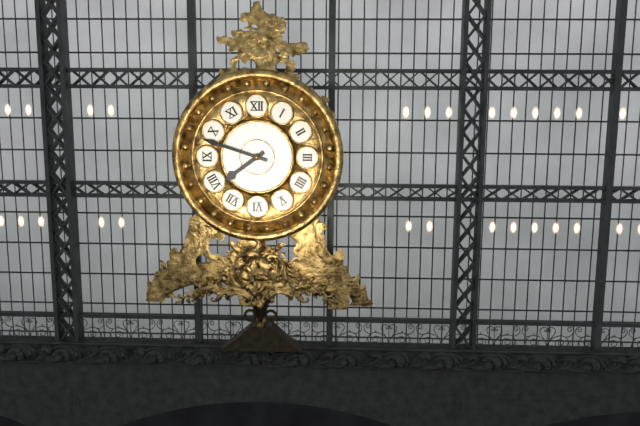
7:48
